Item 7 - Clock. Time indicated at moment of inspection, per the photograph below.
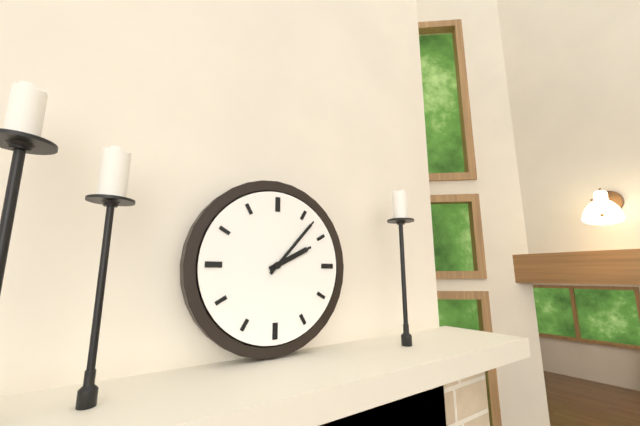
2:07
